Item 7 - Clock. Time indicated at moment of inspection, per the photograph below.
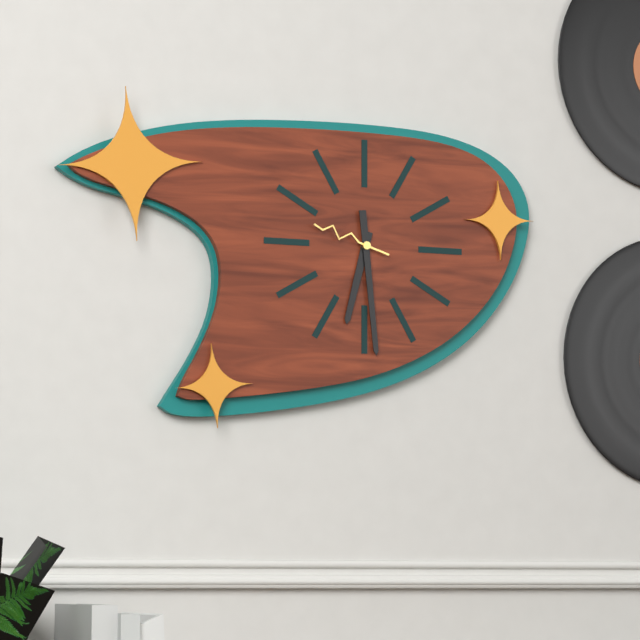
6:29:48
